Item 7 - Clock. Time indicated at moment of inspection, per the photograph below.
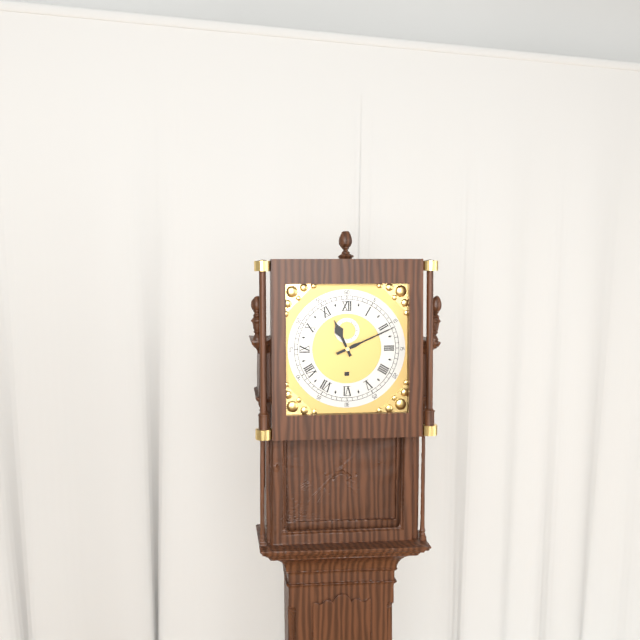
11:11
